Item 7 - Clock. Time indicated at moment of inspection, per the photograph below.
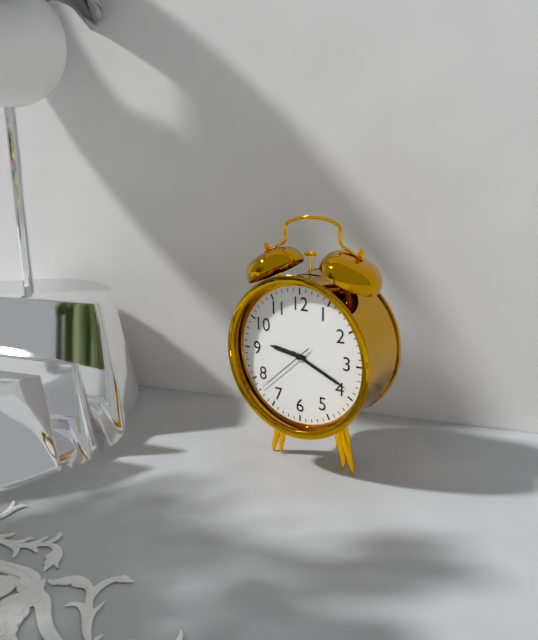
9:19:38
